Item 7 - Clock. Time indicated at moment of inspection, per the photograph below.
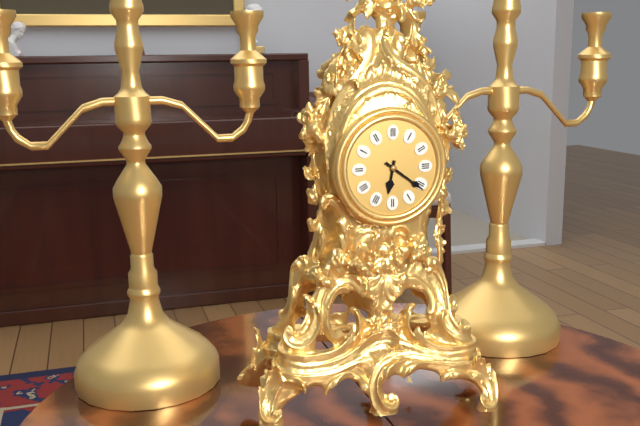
6:21
